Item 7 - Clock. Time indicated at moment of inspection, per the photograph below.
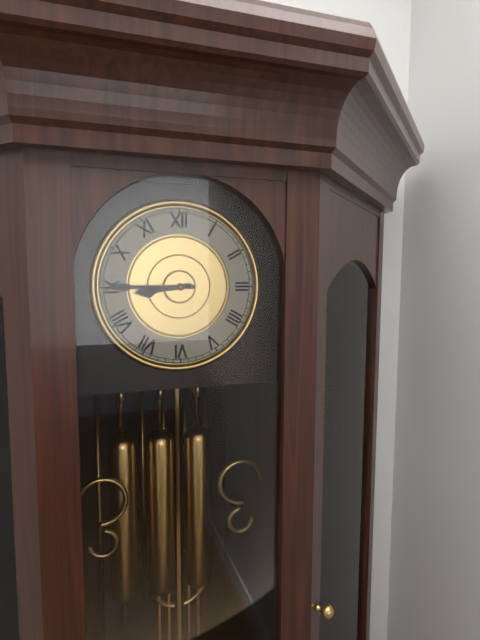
8:45
